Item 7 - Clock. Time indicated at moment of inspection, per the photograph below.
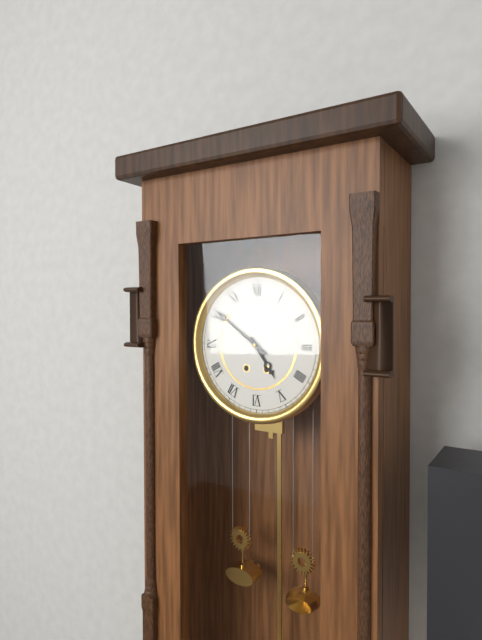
4:51
